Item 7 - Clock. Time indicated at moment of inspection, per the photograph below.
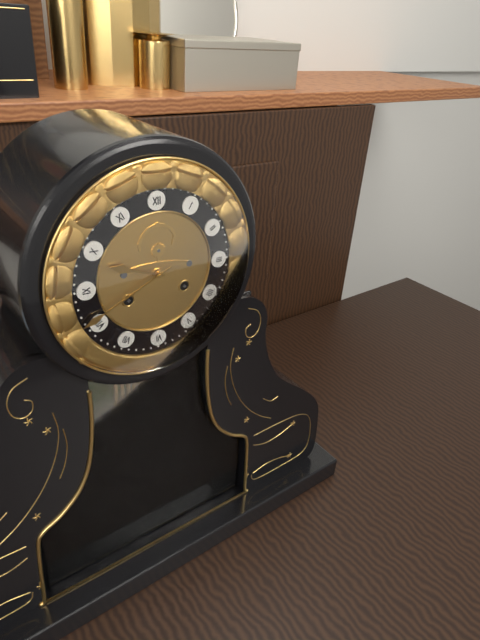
9:41
